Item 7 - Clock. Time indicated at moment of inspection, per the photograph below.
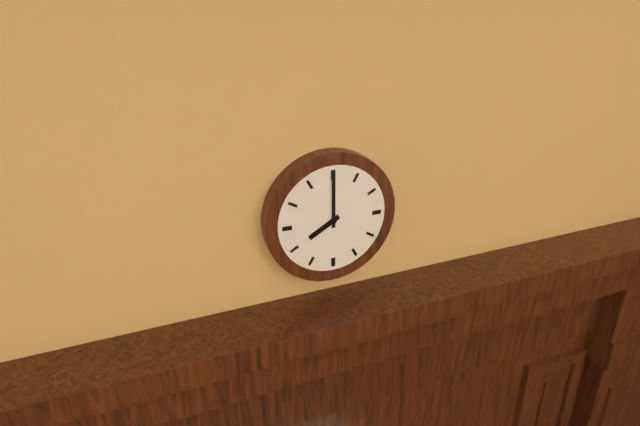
8:00
